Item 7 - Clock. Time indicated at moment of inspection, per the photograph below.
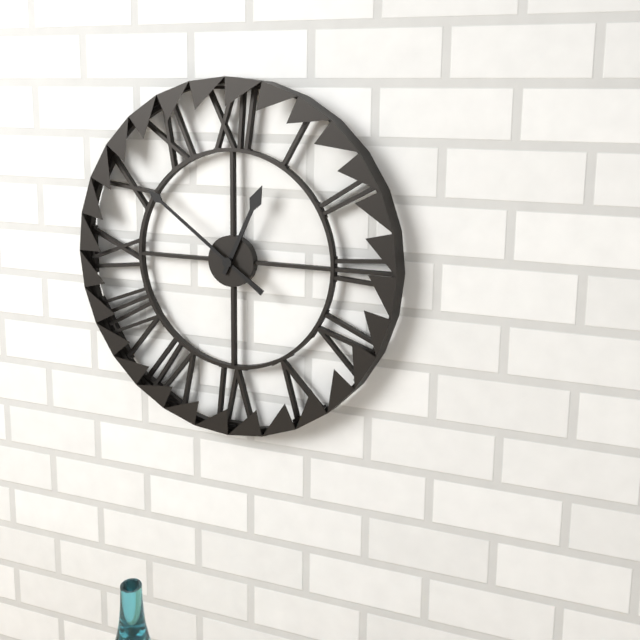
12:51
